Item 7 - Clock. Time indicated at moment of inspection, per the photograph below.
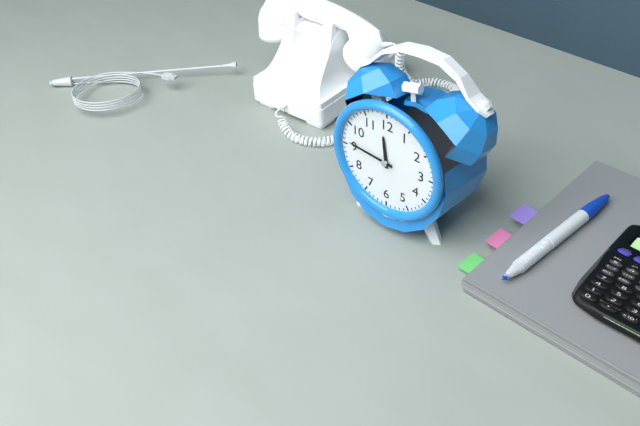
11:46
